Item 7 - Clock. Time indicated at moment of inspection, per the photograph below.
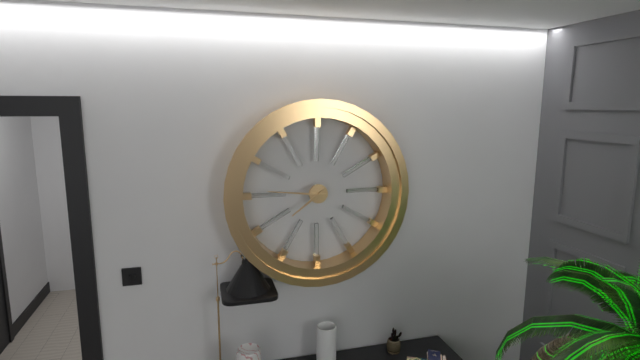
7:46
